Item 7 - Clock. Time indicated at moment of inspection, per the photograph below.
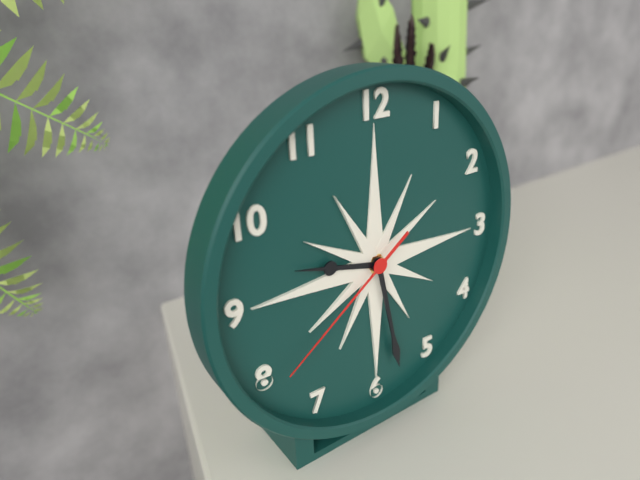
9:28:39
